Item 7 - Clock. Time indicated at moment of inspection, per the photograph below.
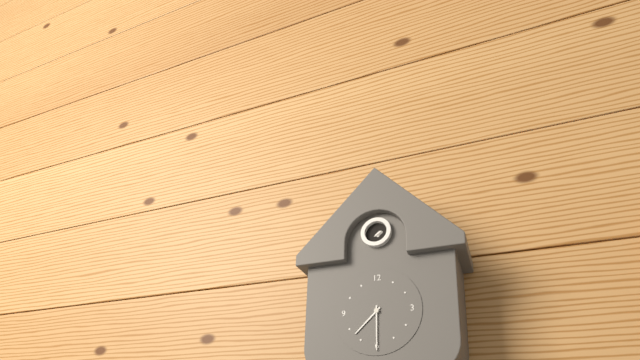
7:30
